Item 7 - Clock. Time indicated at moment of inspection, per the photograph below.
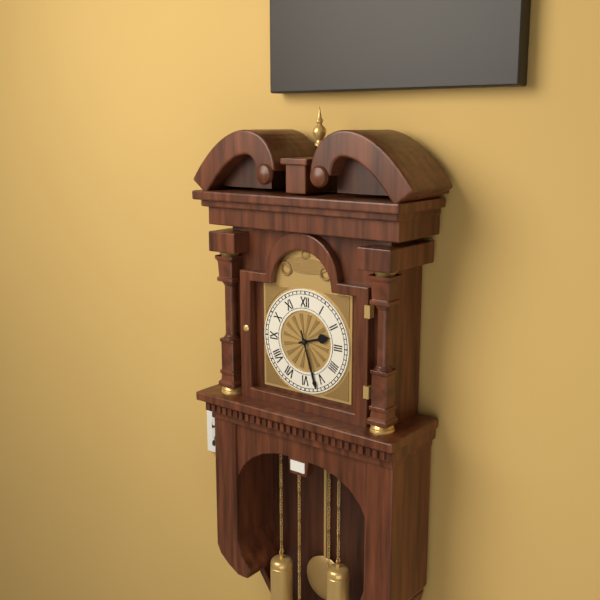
2:27
